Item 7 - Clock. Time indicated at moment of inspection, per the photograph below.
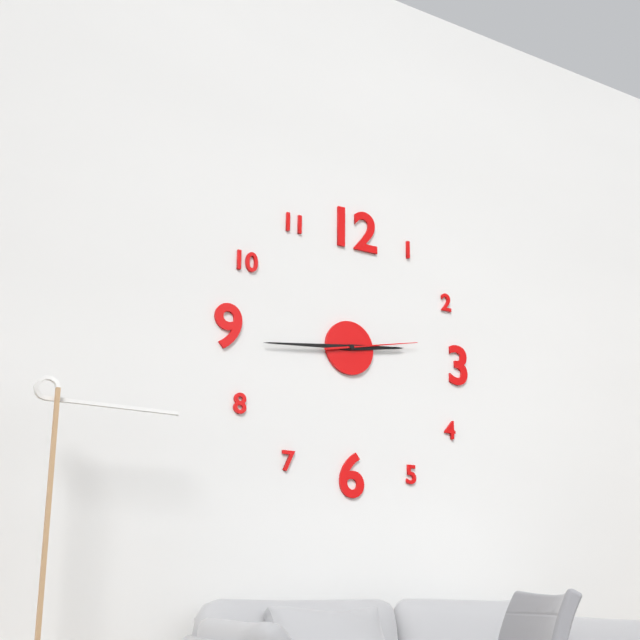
2:44:13
